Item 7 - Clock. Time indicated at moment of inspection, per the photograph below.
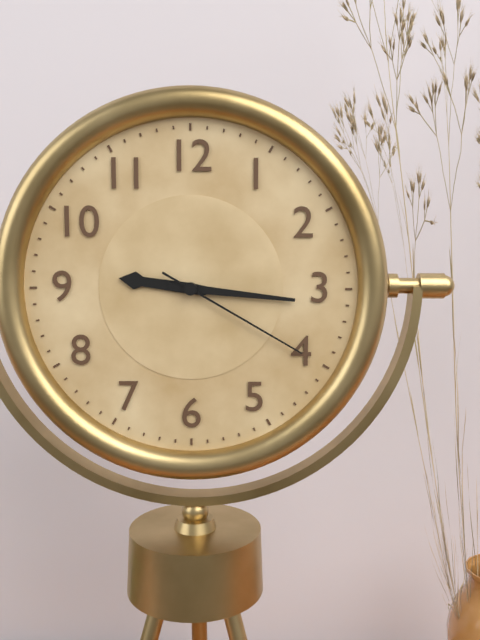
9:16:20
